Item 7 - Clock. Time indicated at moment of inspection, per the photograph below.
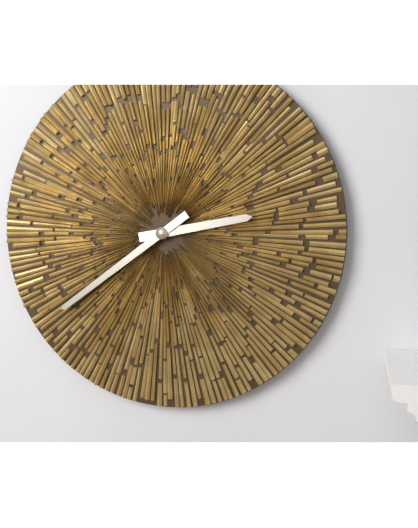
2:39
